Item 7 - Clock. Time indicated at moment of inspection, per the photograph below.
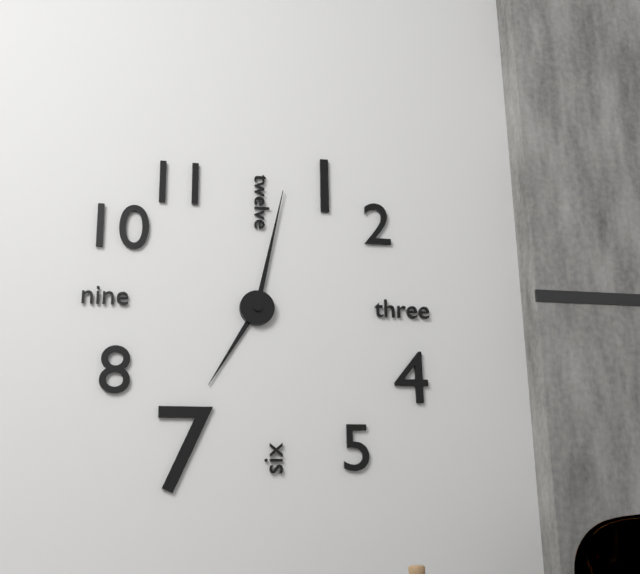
7:02
